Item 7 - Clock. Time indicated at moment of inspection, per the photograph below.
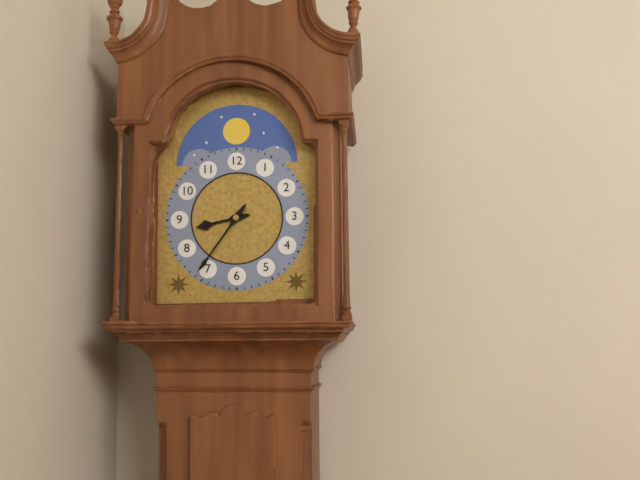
8:36
